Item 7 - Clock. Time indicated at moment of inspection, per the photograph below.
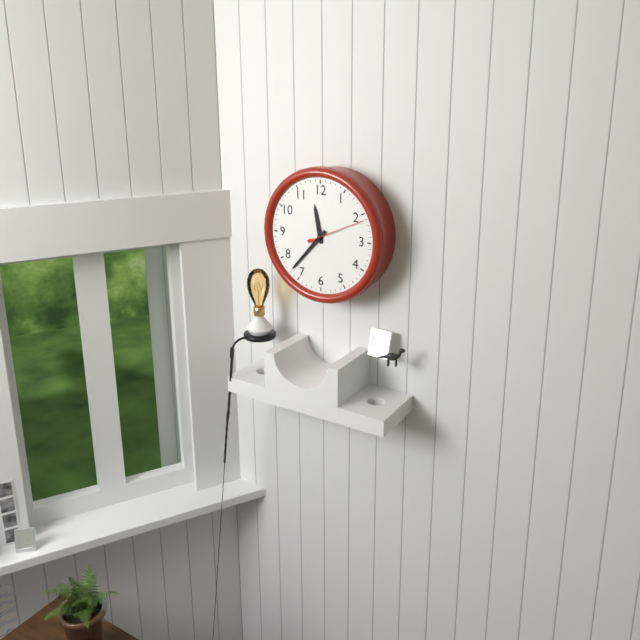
11:37
